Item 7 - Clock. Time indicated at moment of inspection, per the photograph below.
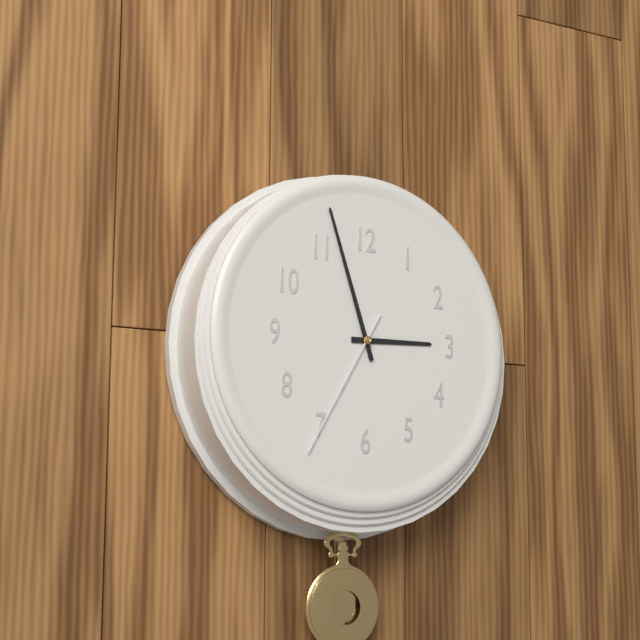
2:57:35
